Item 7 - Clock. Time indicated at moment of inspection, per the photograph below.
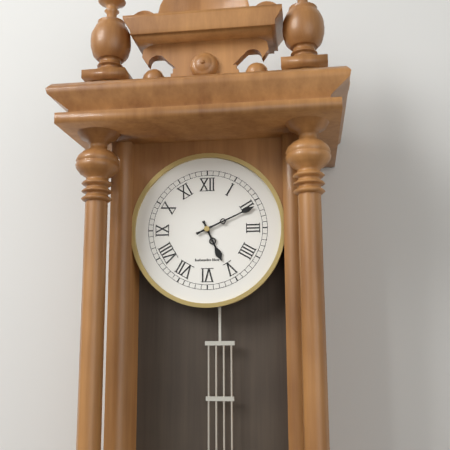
5:11
